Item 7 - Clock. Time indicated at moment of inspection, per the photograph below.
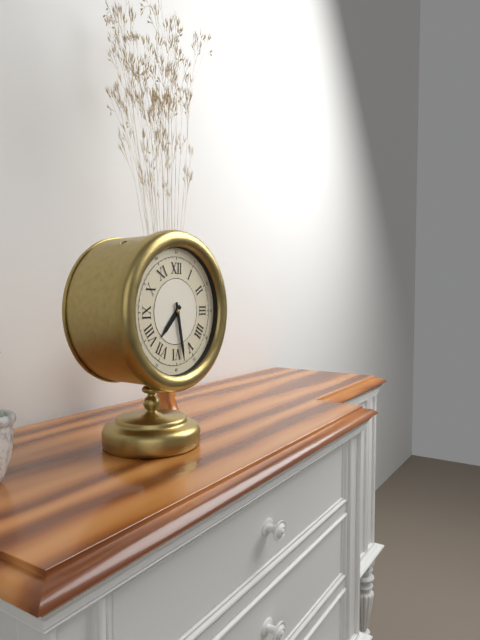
7:28
